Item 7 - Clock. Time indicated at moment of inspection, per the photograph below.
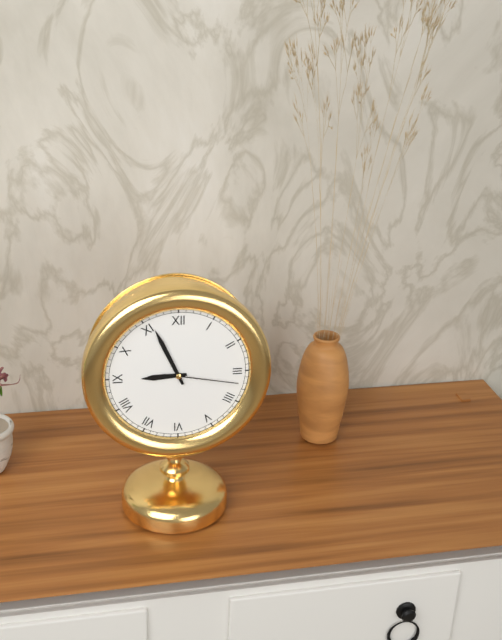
8:56:17
